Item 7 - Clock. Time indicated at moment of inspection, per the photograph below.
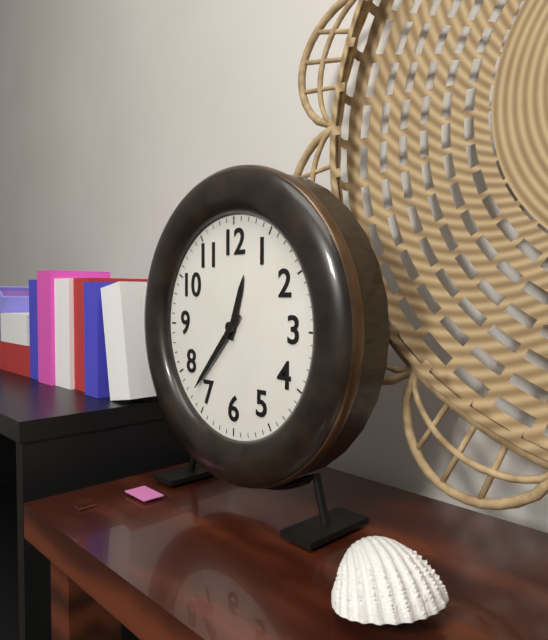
12:37
